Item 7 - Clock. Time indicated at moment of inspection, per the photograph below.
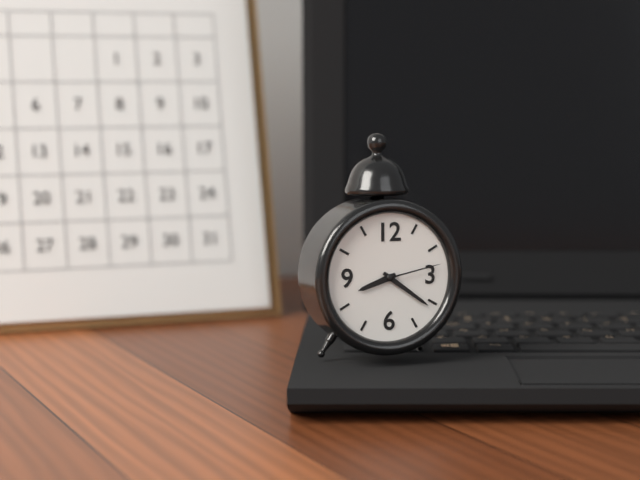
8:21:13
